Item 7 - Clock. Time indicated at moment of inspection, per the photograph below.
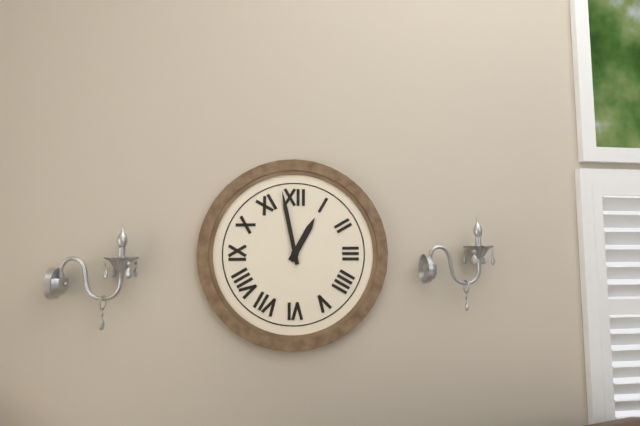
12:58
